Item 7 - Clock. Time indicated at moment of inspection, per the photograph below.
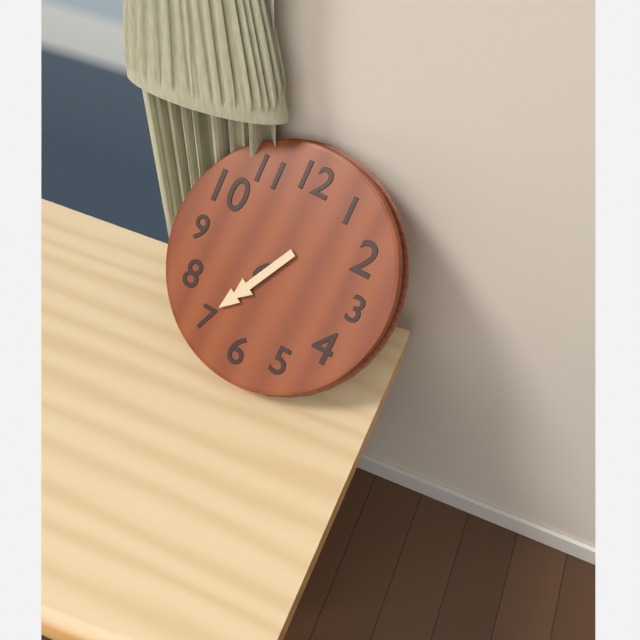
7:35
